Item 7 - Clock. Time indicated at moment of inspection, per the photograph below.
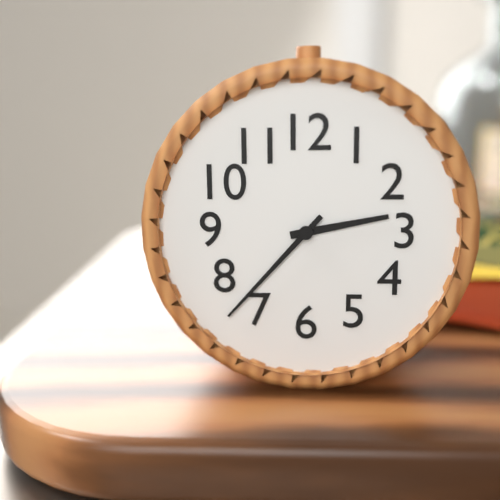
2:37
